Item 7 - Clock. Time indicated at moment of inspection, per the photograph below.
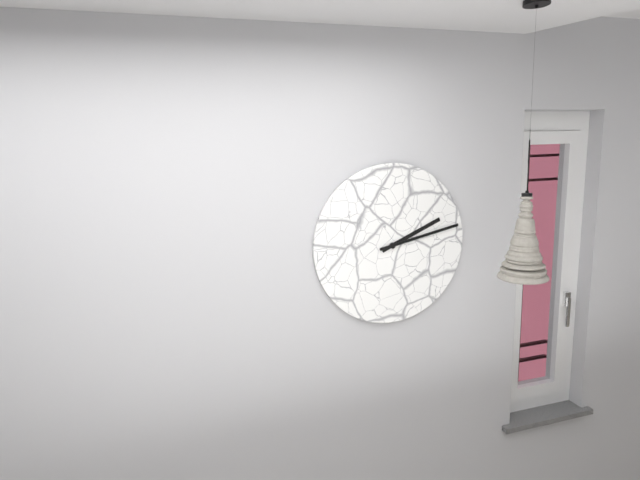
2:13
